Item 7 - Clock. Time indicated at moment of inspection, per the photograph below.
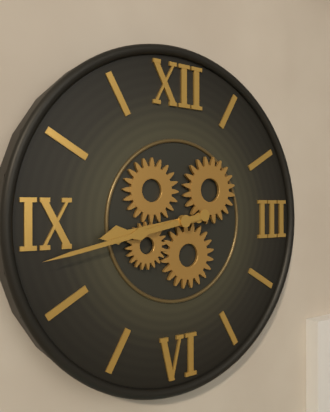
8:43
